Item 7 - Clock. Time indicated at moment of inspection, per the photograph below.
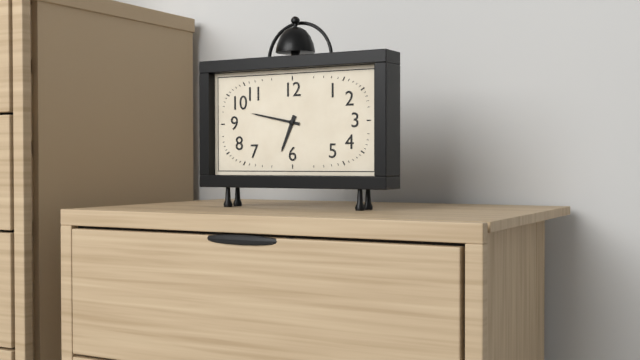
6:47
